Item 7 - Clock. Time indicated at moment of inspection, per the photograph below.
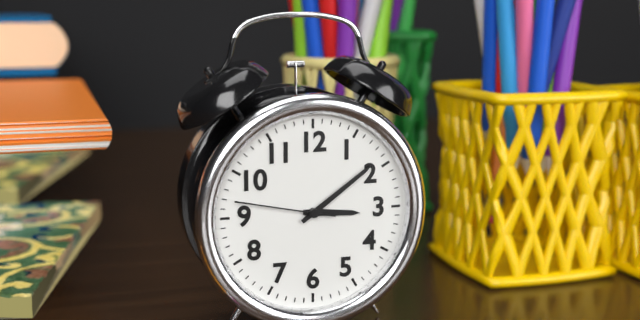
3:09:47
